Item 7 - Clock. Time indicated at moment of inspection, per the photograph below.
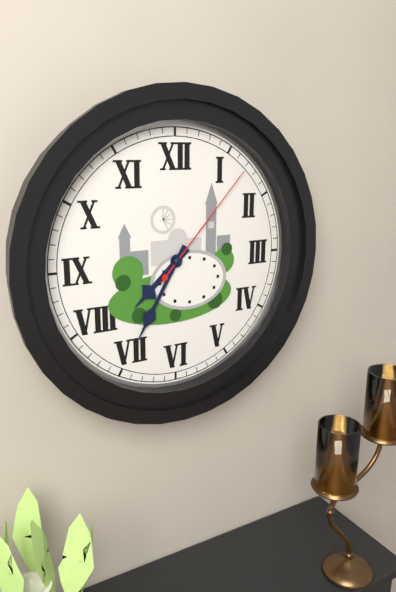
7:35:07
